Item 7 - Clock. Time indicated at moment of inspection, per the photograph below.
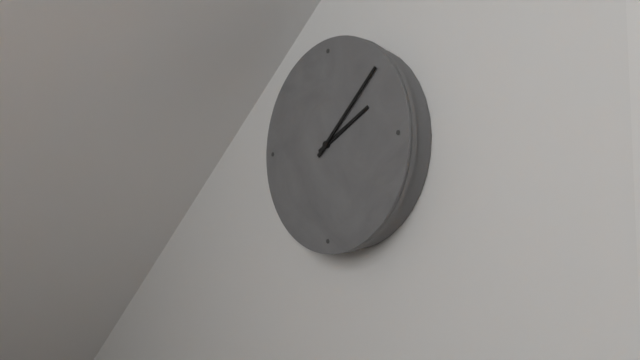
2:08
